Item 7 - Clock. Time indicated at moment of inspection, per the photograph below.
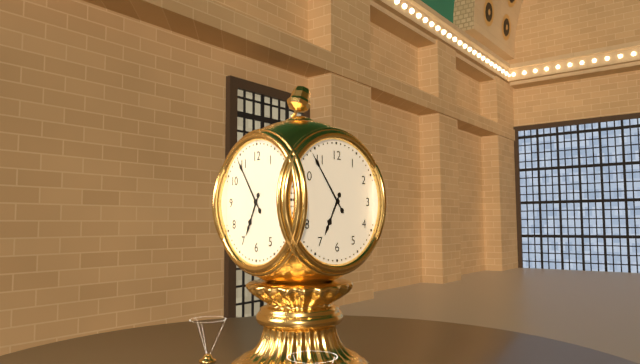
6:54
